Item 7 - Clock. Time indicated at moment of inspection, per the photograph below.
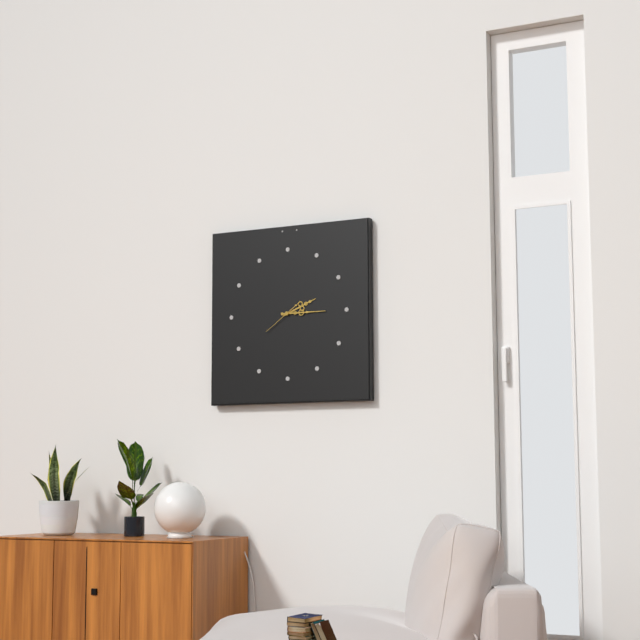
2:15
